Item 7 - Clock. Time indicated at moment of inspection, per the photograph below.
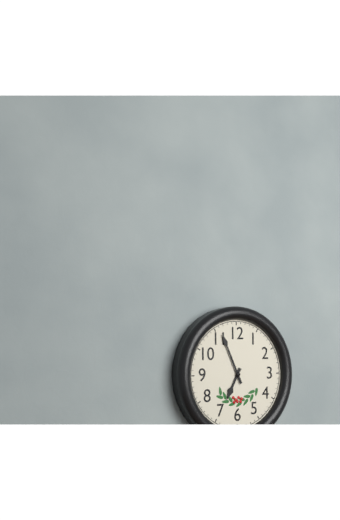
6:56
